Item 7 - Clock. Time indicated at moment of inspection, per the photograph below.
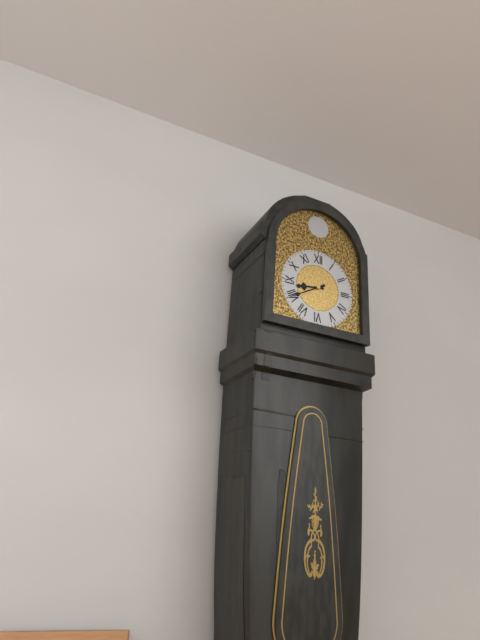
8:40
